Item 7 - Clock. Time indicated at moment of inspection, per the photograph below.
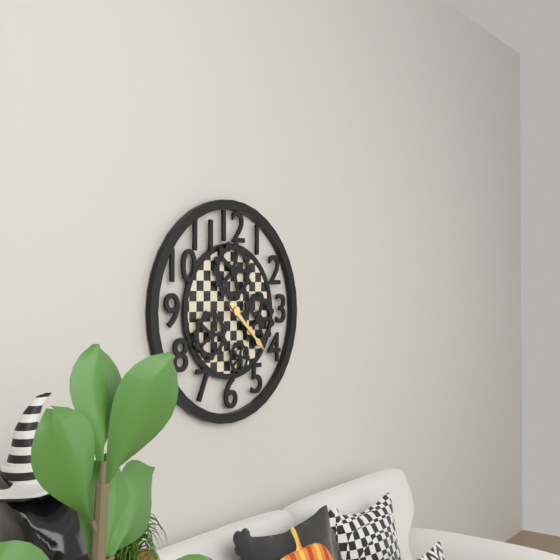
4:22
